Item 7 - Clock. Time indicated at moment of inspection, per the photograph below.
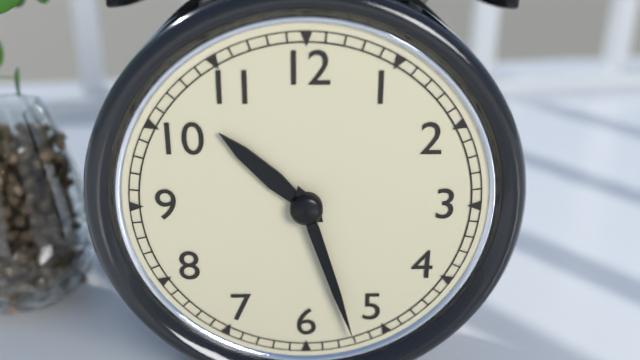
10:27
